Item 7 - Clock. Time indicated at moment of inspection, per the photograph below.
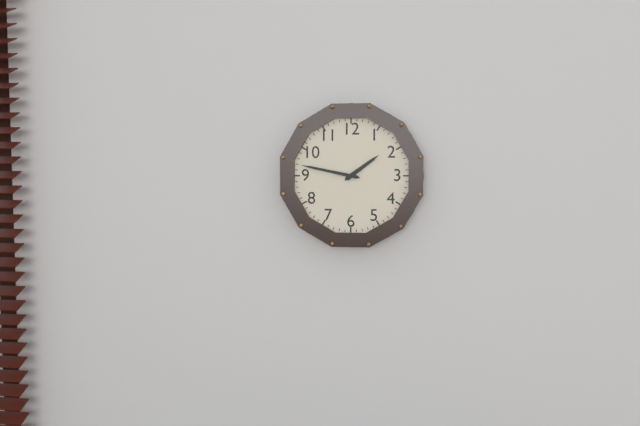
1:47
